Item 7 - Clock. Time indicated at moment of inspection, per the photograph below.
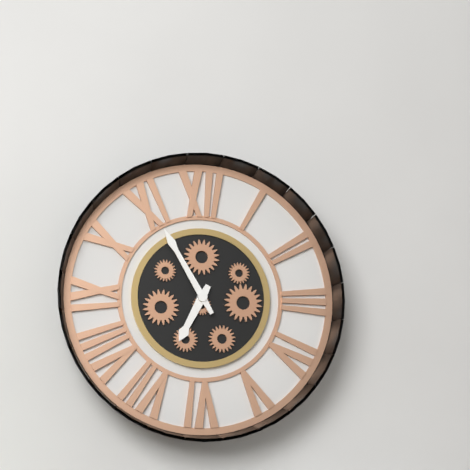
6:55
